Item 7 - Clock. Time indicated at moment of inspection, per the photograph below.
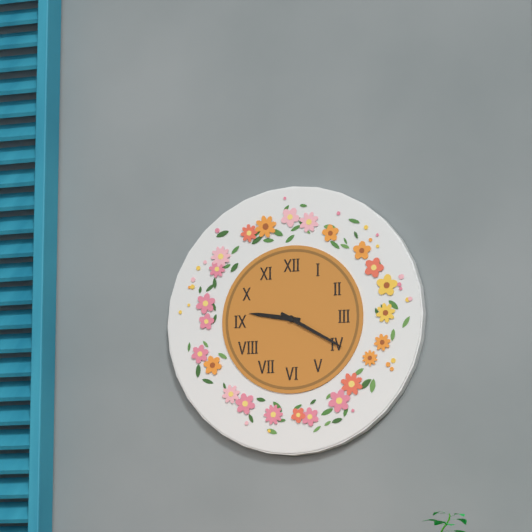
9:20
